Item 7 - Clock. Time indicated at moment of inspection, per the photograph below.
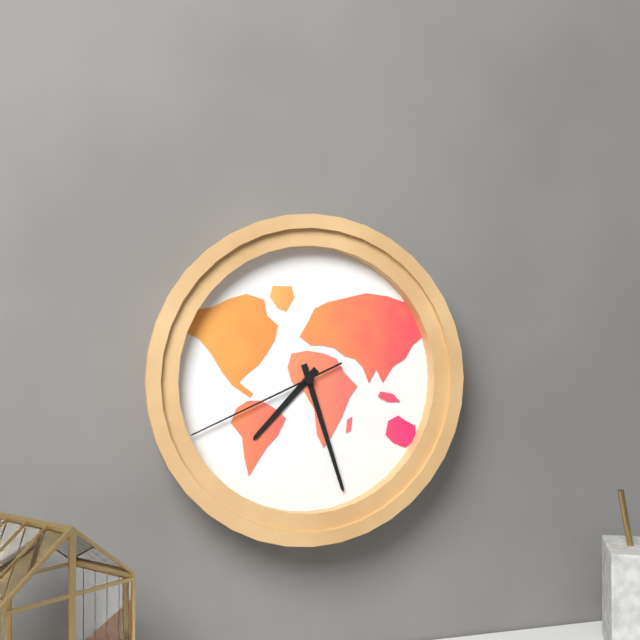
7:27:41
